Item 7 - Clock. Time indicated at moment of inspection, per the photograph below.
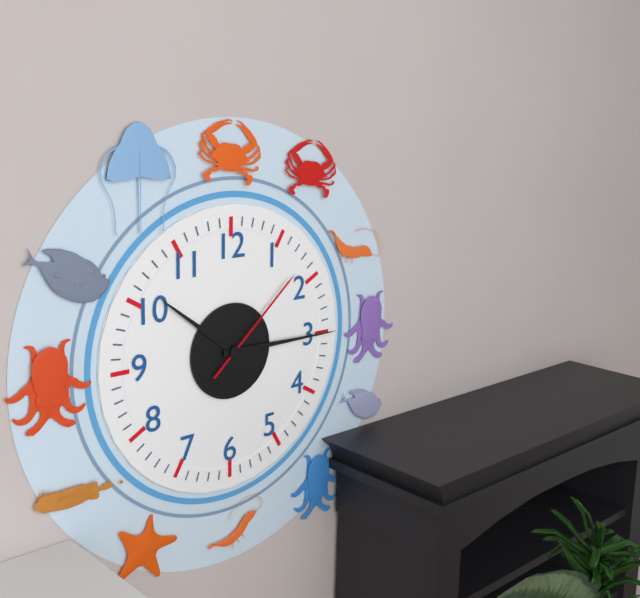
10:15:08
